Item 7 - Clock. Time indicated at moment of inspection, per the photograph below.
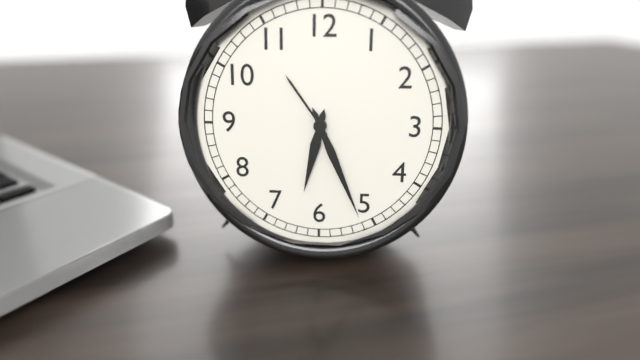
6:26
